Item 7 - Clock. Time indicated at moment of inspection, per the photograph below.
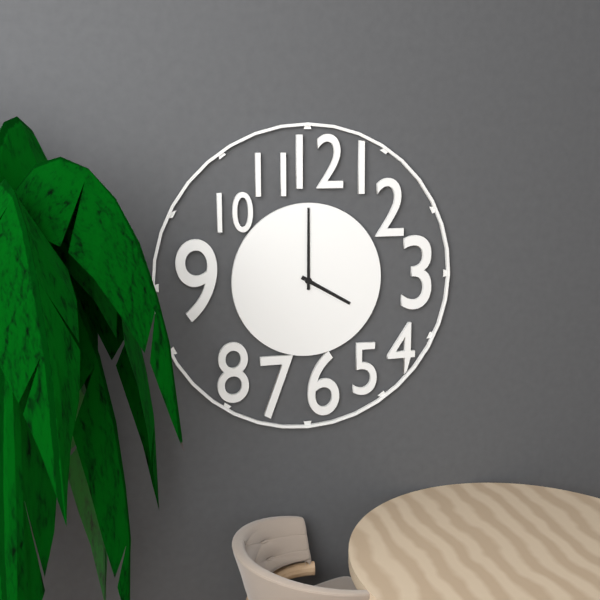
4:00
